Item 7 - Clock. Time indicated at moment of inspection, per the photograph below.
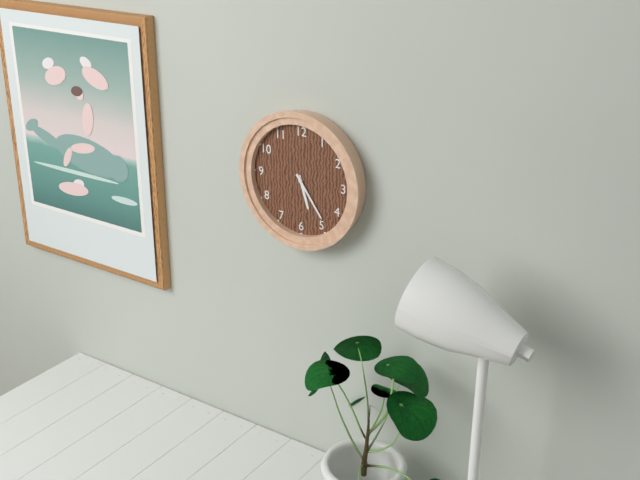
5:24
